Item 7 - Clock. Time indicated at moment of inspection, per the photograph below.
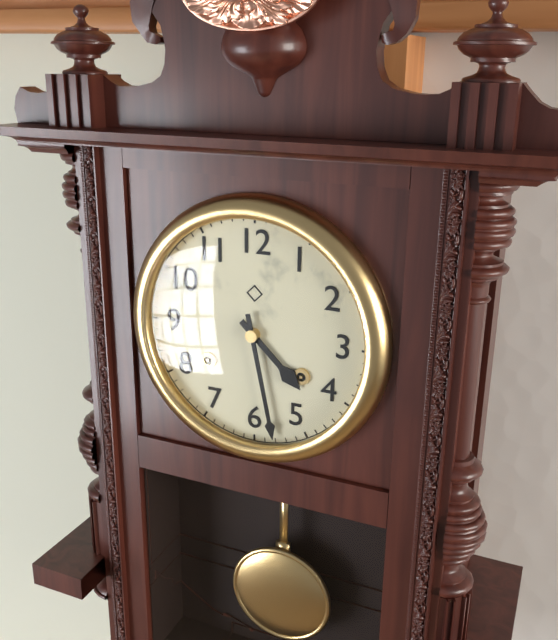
4:28
